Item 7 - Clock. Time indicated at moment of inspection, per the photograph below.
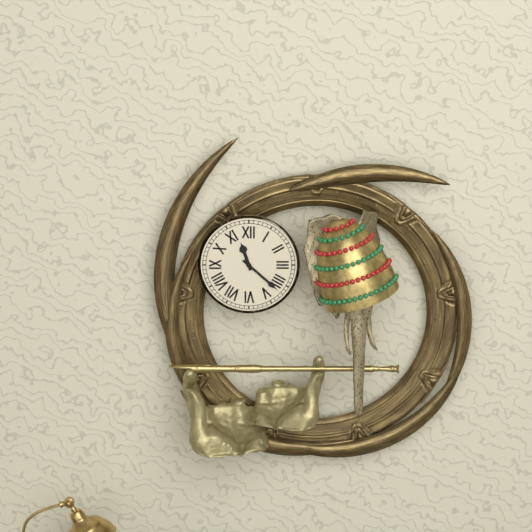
11:22
